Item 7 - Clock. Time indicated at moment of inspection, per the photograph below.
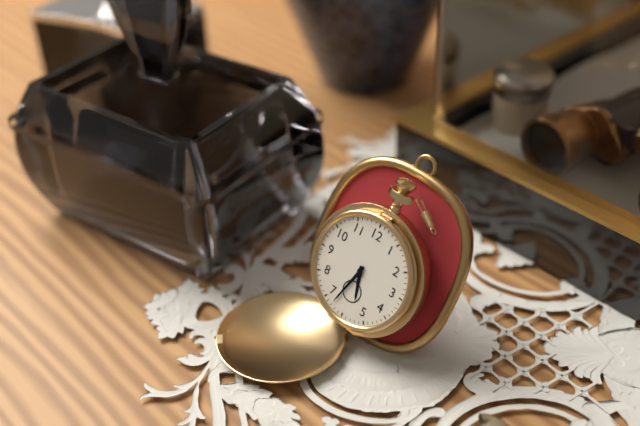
5:33
